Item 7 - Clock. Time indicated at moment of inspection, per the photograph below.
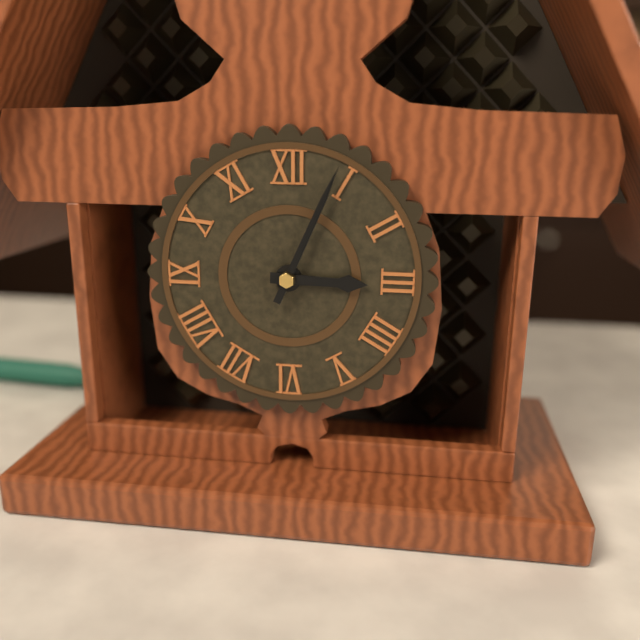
3:04
